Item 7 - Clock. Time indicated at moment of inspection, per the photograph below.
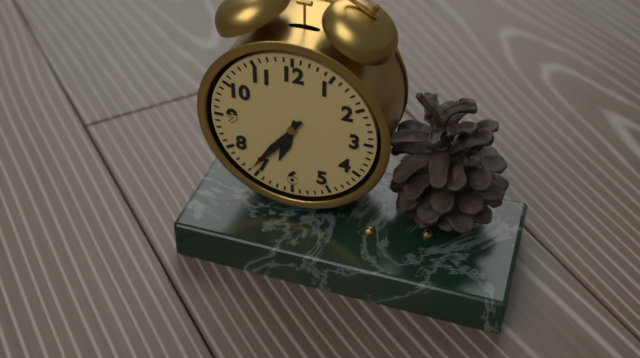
6:36
